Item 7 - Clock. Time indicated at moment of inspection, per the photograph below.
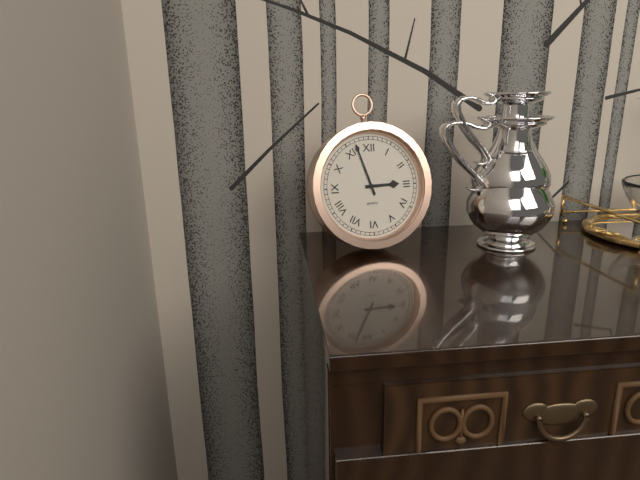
2:57
